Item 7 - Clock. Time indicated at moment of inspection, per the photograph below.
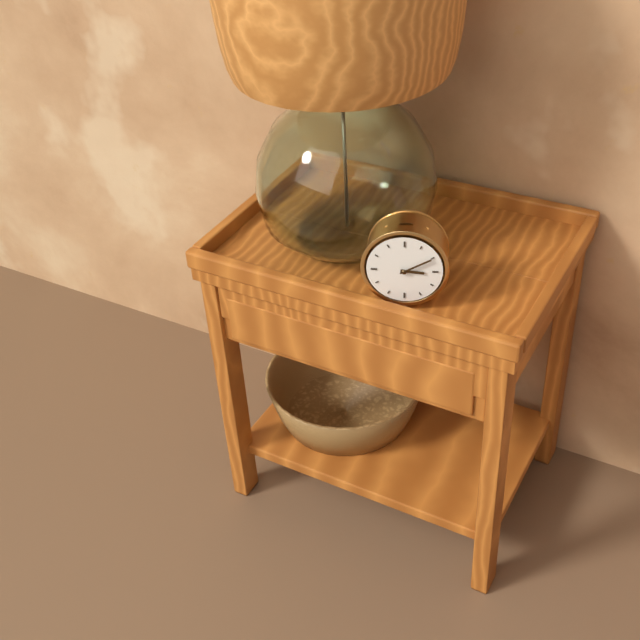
3:10
